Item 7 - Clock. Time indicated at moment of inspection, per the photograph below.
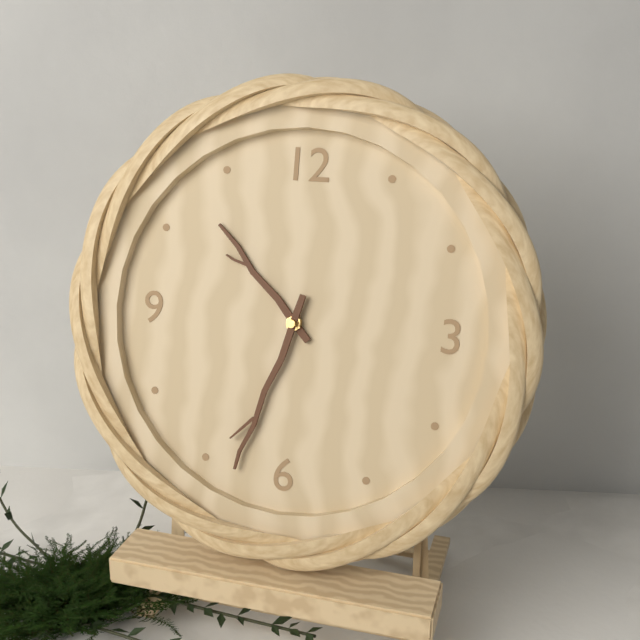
10:33
